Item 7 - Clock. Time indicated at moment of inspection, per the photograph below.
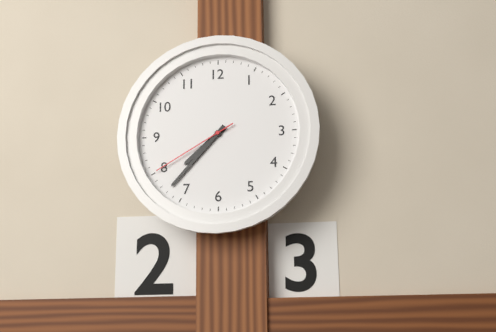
7:37:40
